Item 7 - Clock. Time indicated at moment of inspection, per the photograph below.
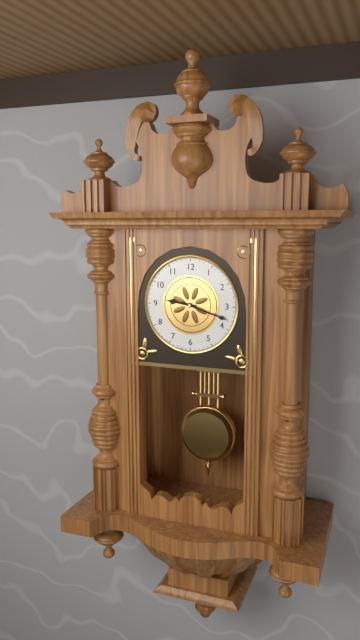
9:18
